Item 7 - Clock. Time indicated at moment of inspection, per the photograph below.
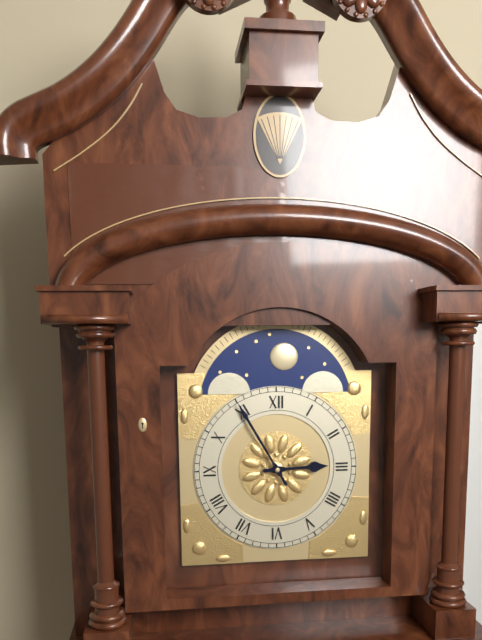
2:55
